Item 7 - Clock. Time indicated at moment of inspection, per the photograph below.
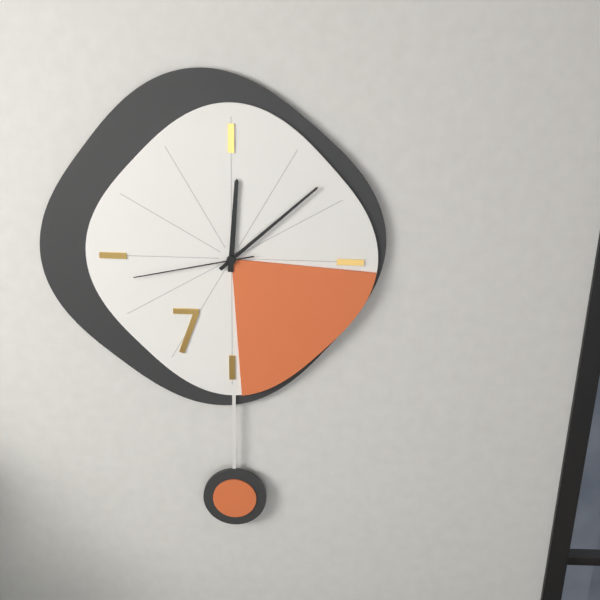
12:08:43
